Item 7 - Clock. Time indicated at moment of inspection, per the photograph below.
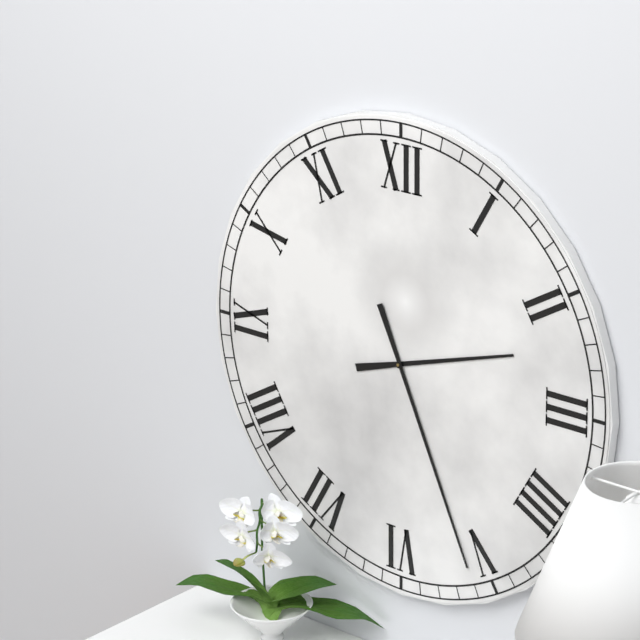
2:26
